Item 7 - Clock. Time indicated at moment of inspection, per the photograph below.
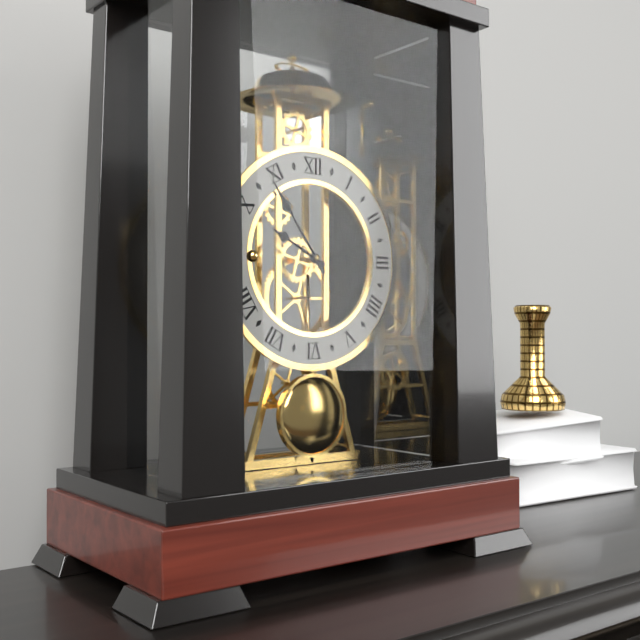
9:54
